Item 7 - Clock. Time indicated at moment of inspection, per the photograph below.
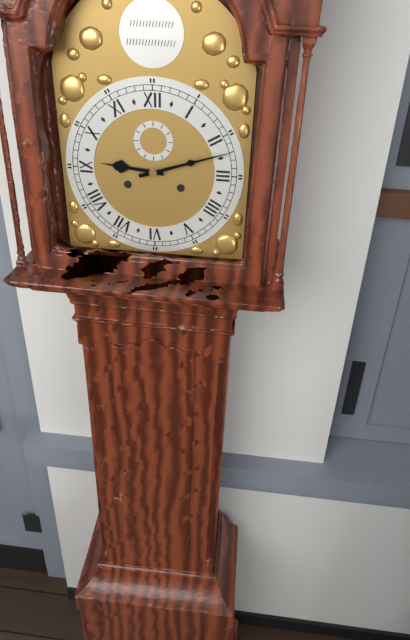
9:12
